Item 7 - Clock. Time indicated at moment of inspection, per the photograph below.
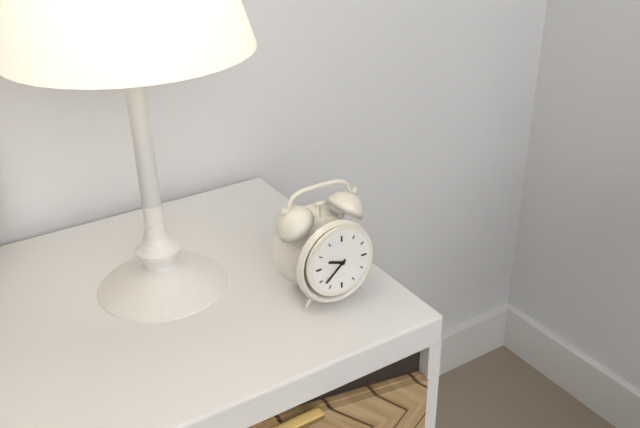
9:38
